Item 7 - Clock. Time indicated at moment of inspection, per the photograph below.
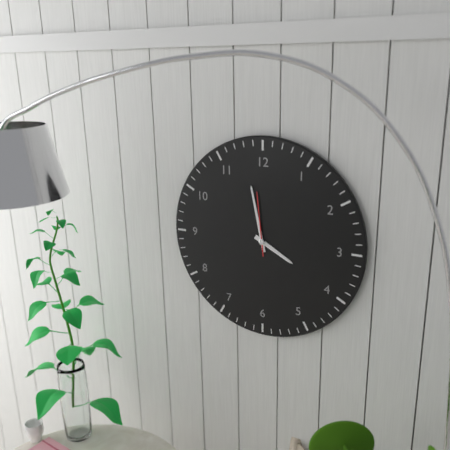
3:58:59
